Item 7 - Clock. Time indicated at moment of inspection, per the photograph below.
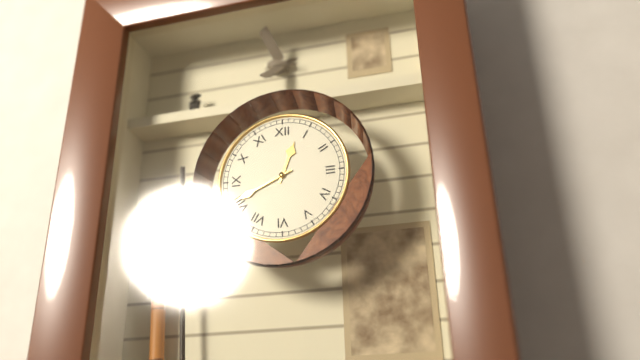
12:41
